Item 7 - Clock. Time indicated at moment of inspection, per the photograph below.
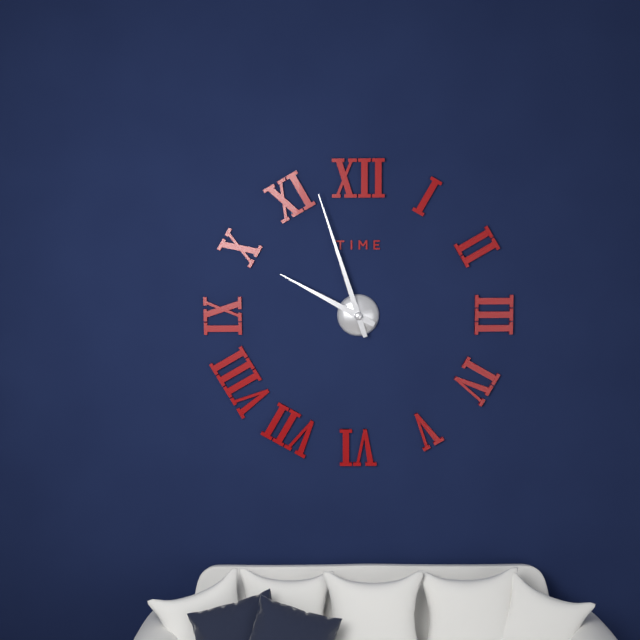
9:57
